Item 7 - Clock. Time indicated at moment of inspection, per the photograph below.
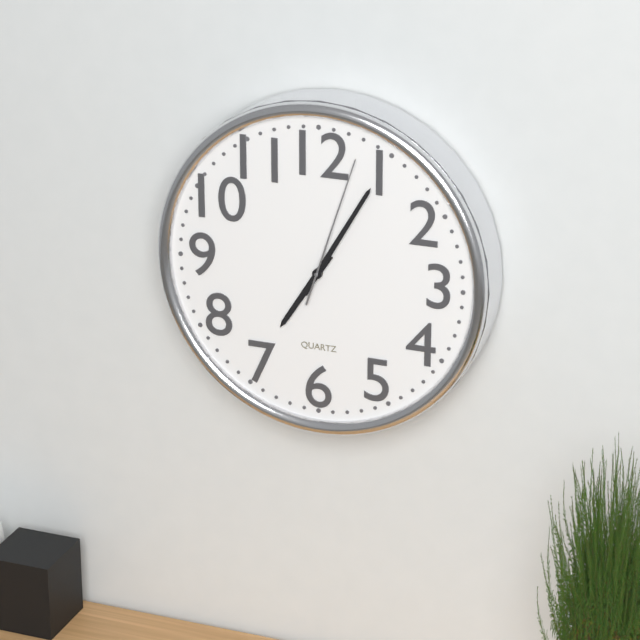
7:05:03
